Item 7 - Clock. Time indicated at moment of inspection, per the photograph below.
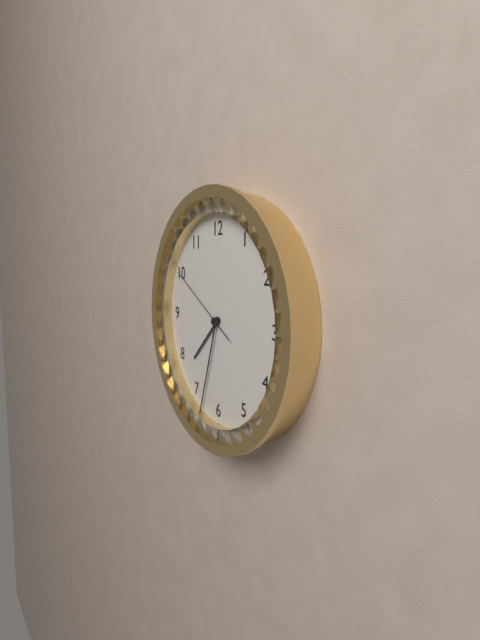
7:33:50
